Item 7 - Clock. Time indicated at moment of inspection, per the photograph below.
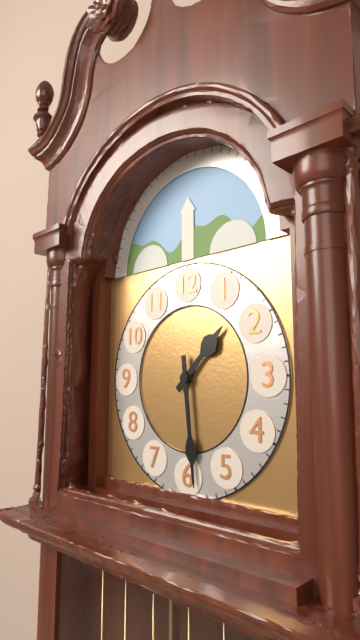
1:29
